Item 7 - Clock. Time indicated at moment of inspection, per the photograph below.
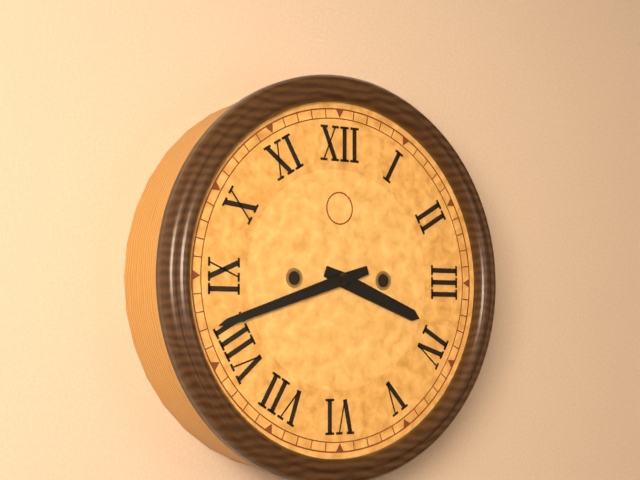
3:42
